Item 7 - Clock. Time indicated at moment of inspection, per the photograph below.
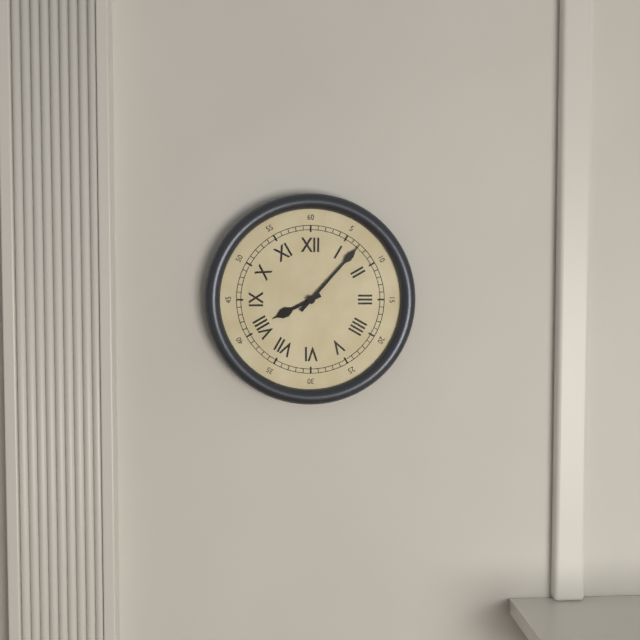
8:07
